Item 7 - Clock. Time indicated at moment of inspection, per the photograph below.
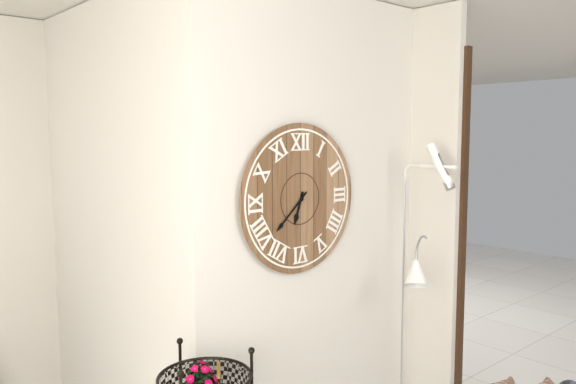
6:38
